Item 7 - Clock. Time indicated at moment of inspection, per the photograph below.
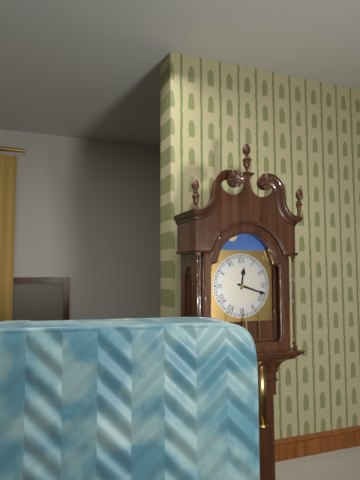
12:18
